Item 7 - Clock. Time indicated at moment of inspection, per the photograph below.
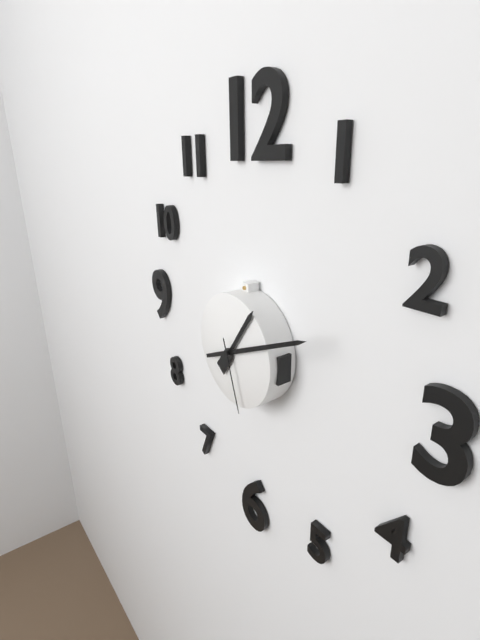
1:11:27
